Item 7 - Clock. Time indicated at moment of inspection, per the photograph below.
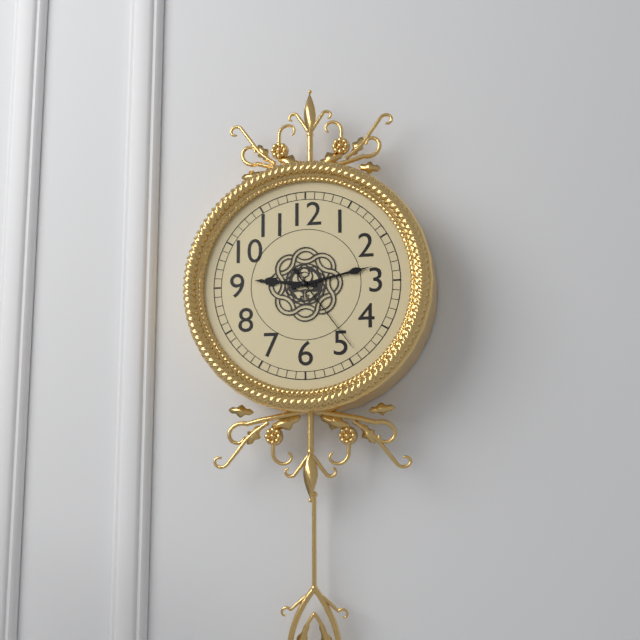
9:13:24
